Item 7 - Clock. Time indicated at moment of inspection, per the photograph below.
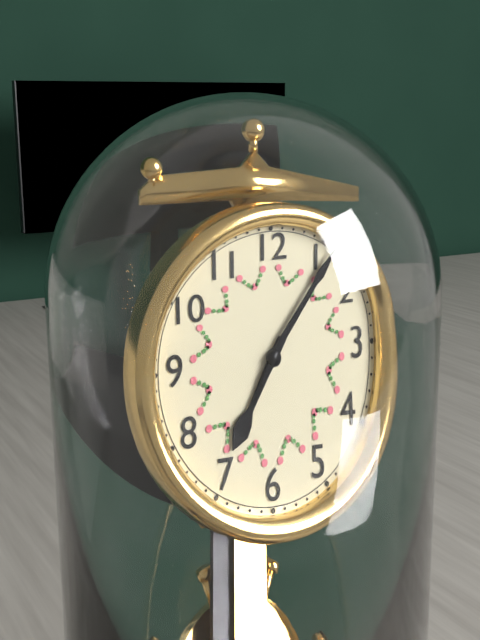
7:06
